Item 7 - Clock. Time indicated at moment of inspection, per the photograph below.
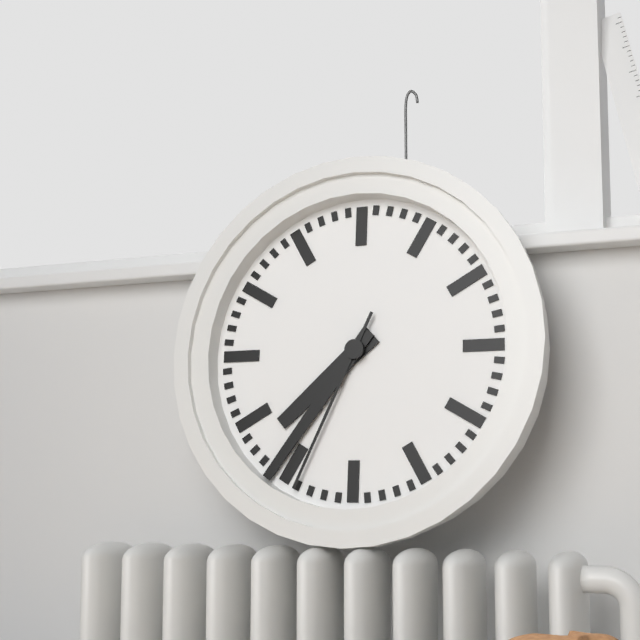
7:36:34
